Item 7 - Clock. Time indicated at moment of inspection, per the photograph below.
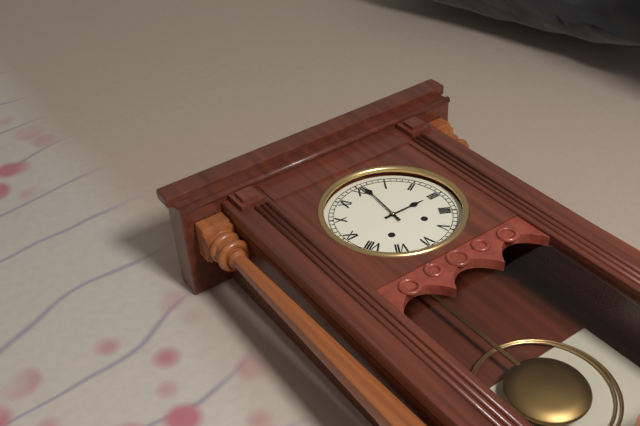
3:01
